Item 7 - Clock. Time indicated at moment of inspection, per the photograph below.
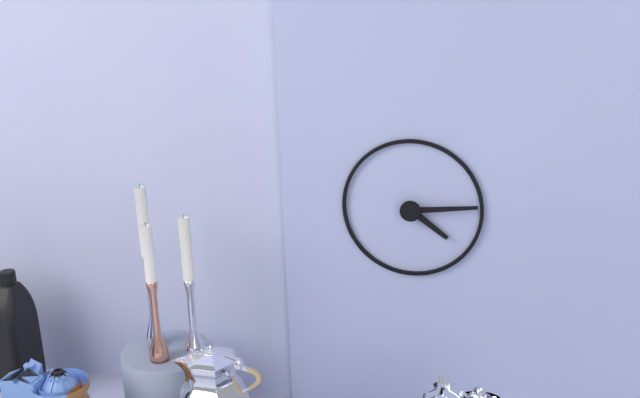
4:14
